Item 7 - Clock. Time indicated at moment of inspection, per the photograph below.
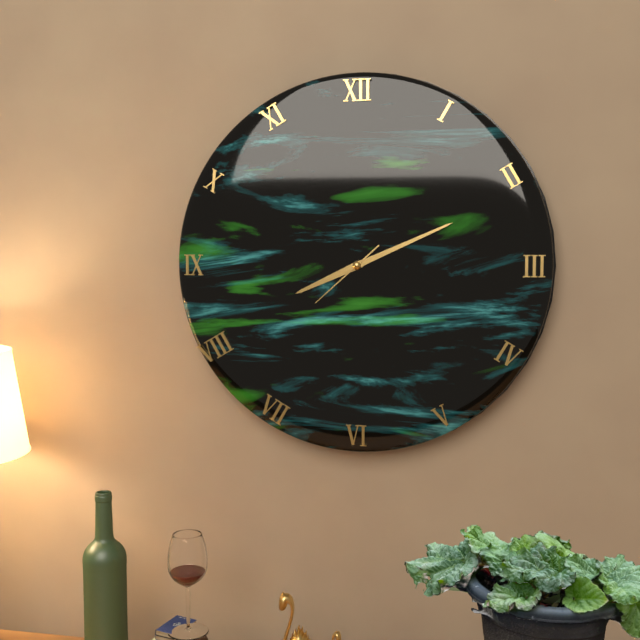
8:11:38
